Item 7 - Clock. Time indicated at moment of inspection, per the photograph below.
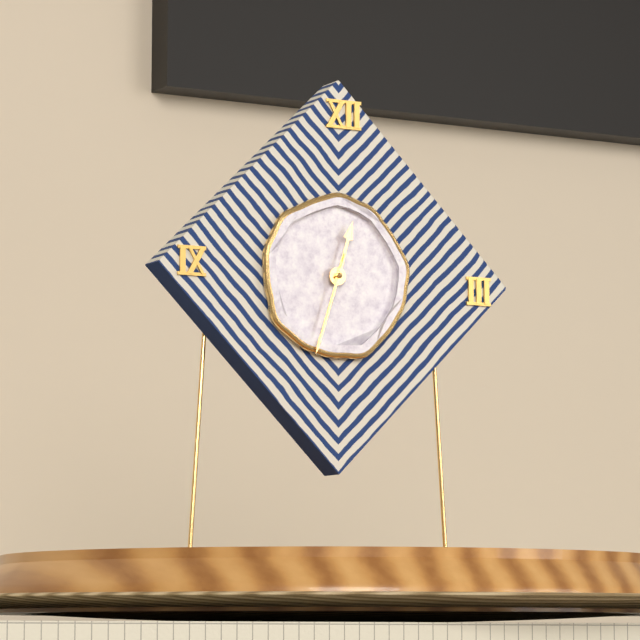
12:33:33
